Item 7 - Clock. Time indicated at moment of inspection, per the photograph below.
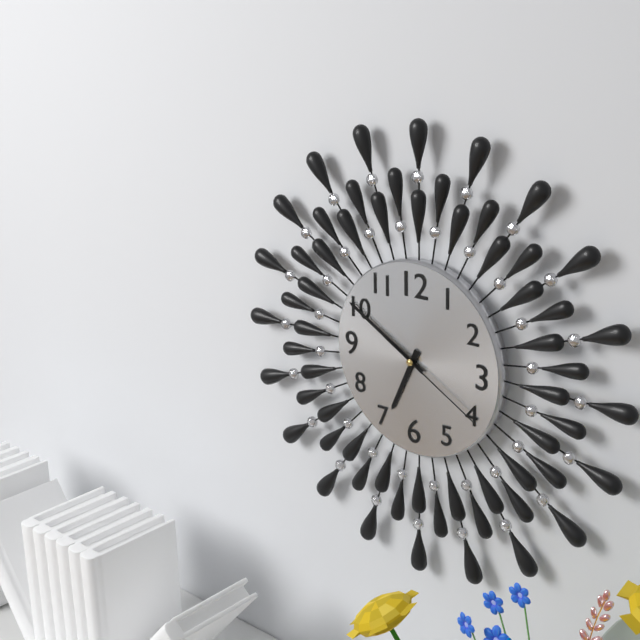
6:50:20
